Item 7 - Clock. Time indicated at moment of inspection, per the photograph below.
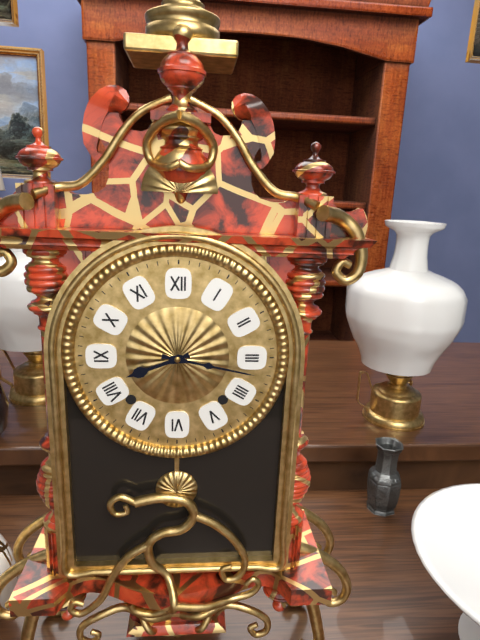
8:17
